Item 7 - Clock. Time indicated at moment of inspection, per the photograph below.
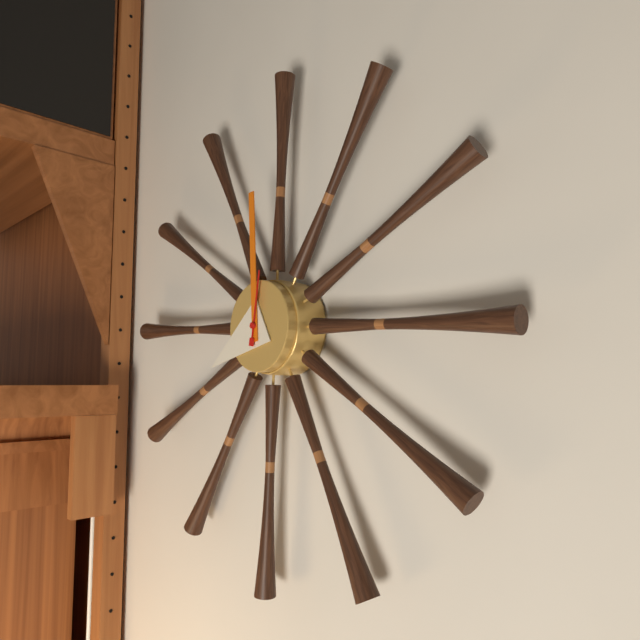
7:59:01
